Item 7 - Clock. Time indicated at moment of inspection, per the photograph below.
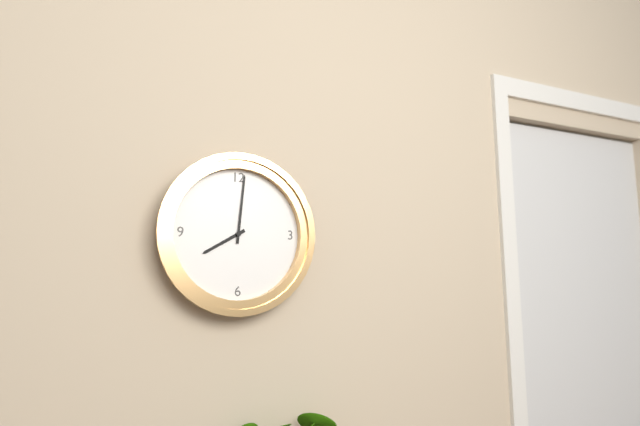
8:01
